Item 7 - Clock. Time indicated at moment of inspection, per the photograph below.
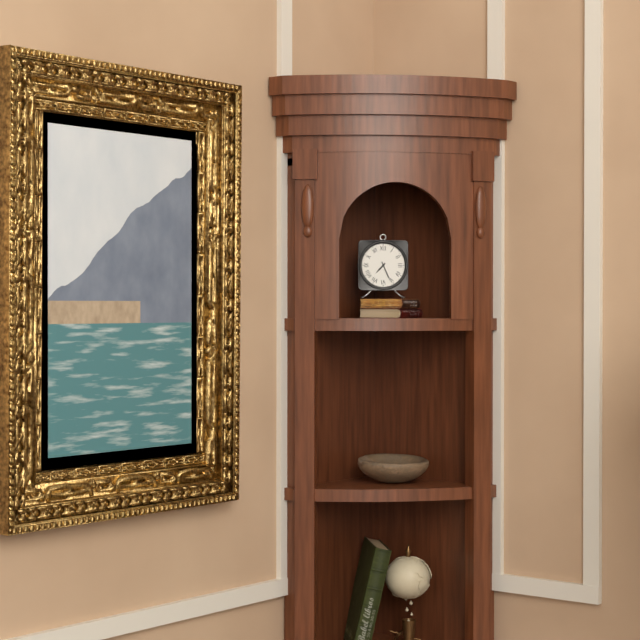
7:26
